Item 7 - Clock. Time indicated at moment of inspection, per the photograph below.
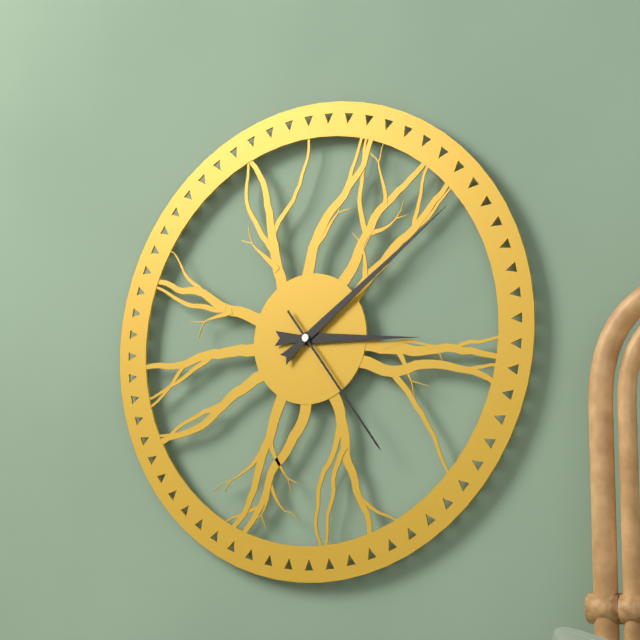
3:09:24
